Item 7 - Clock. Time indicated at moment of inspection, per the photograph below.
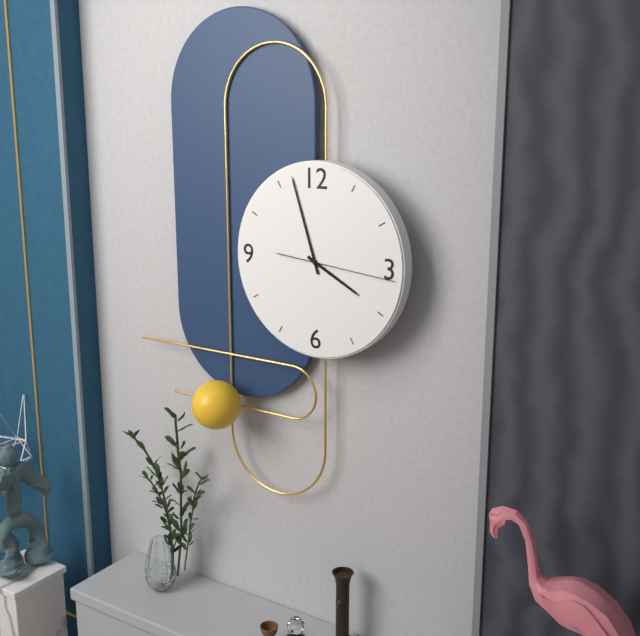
3:57:16
